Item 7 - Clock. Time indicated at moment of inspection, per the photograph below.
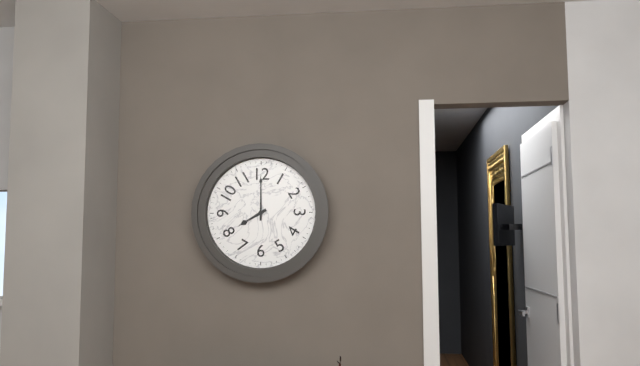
8:00
